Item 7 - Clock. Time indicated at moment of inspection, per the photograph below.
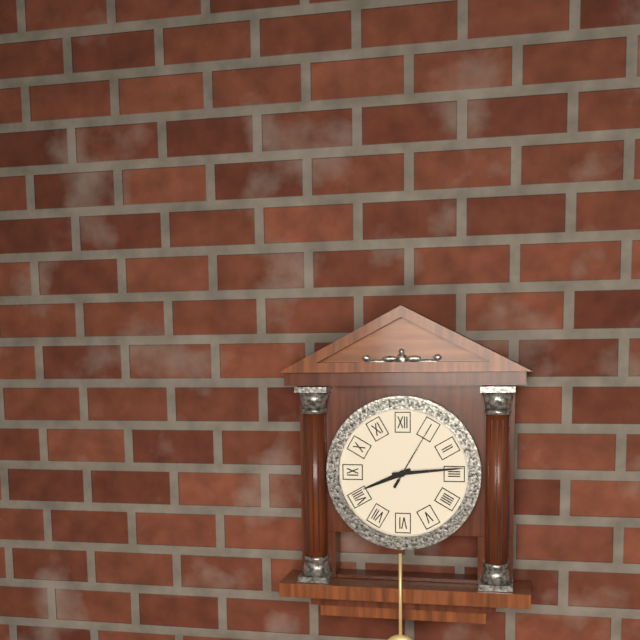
8:14:05
